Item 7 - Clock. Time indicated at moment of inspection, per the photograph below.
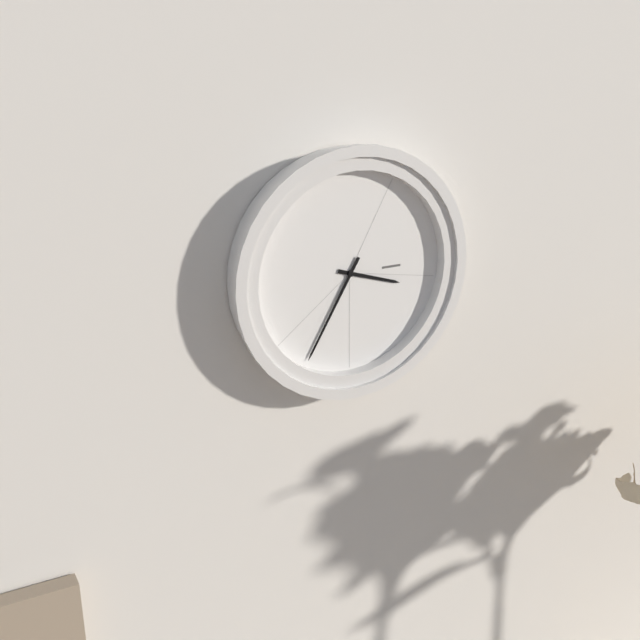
3:35
